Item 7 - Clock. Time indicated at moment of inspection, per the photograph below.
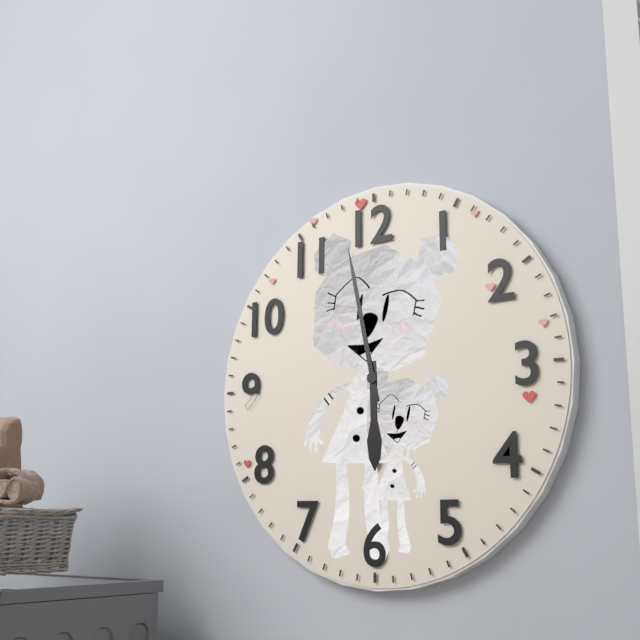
5:58
